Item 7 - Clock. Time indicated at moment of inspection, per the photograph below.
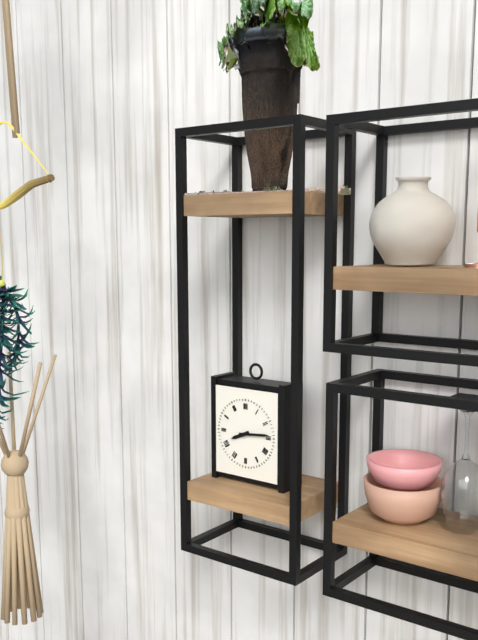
8:14
